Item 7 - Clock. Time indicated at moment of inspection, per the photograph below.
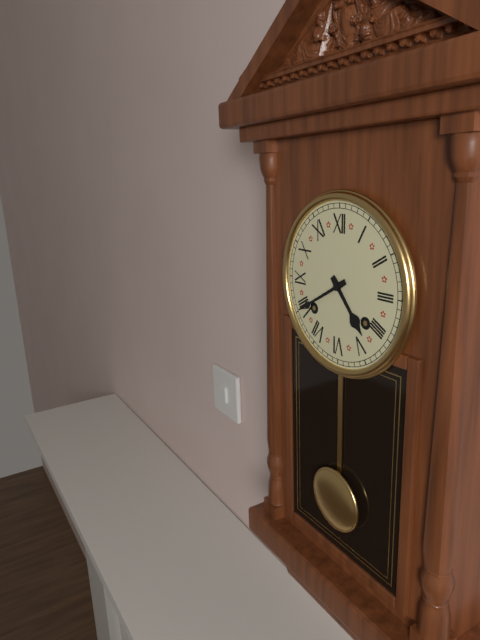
4:40
